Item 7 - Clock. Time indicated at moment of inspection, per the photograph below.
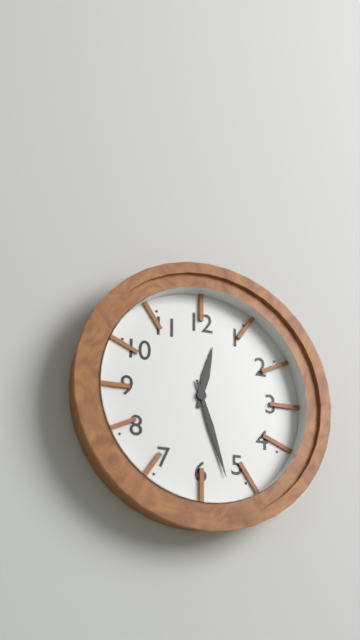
12:27
